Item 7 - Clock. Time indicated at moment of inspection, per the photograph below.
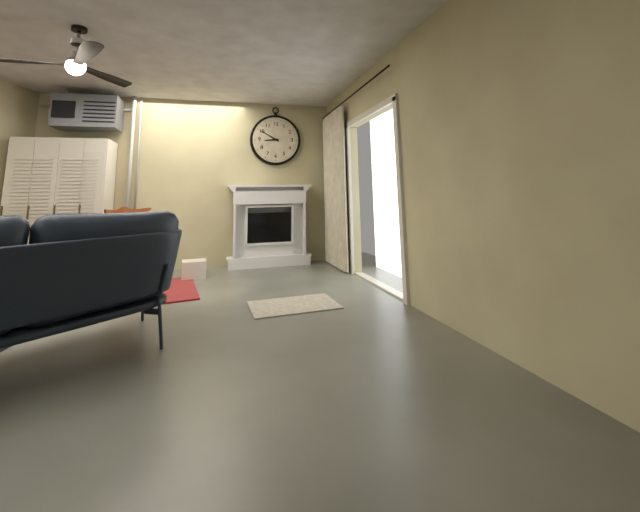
8:50
